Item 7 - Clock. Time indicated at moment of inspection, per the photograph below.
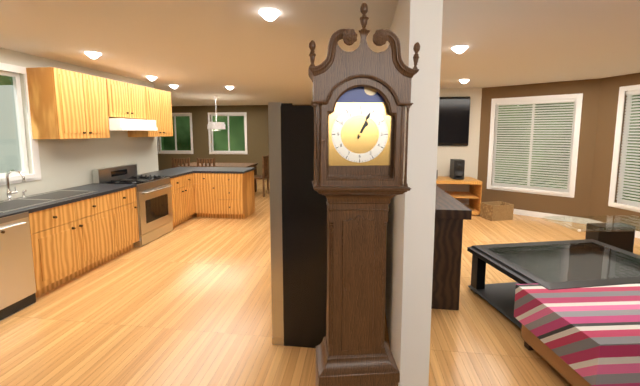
1:04
